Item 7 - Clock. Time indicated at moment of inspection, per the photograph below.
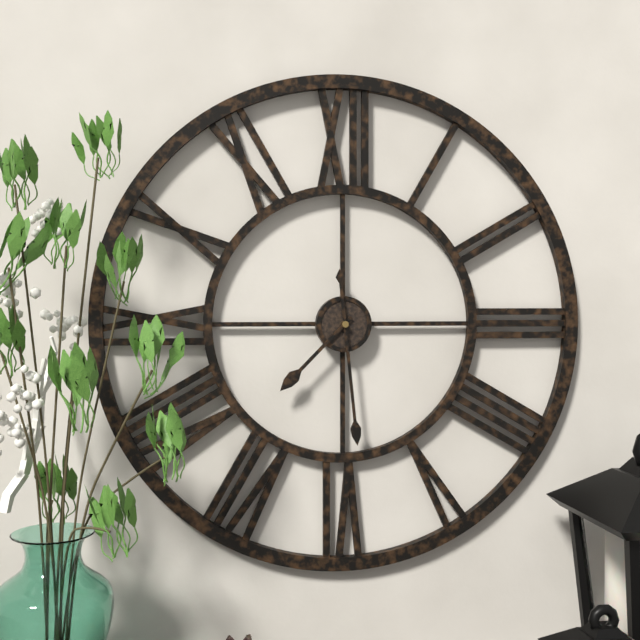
7:29
